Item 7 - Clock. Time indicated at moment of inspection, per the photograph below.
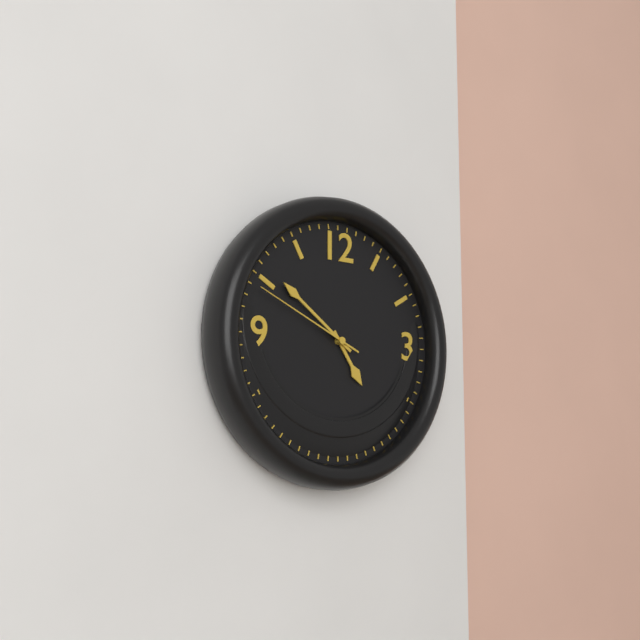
4:51:49
